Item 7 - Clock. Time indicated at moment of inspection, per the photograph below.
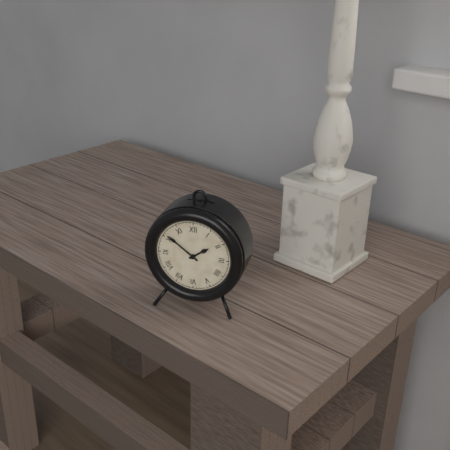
1:51
